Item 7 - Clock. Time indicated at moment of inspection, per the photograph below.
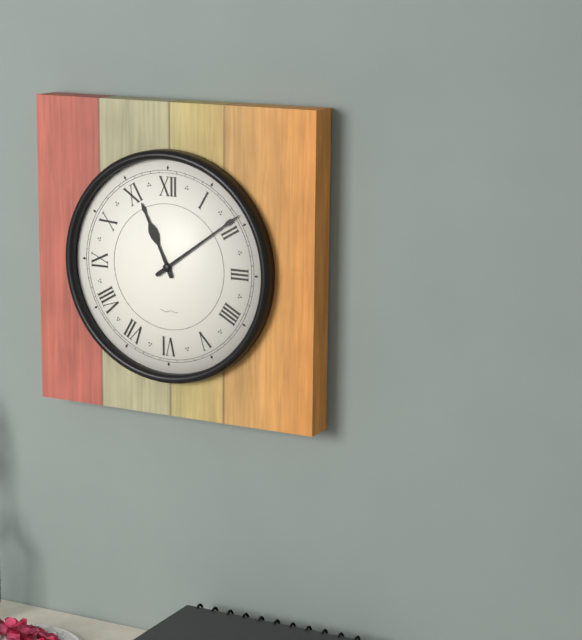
11:09
